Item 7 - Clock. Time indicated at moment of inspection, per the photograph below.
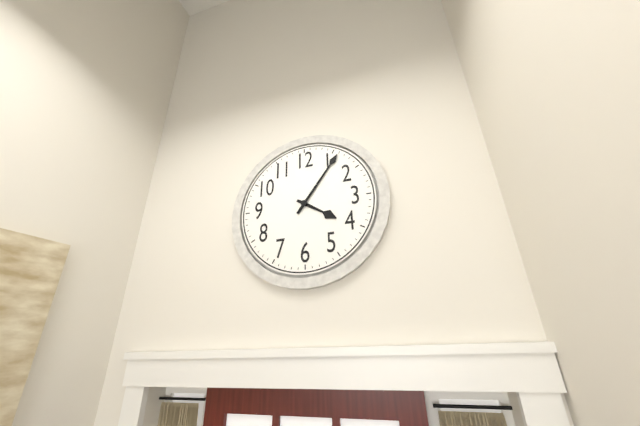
4:06
